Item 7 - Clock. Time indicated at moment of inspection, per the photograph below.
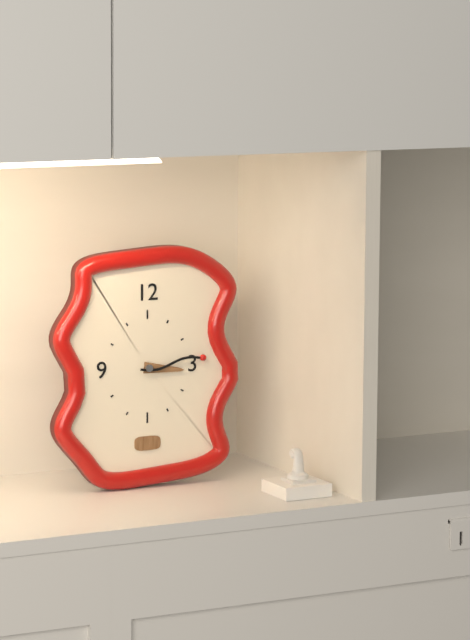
3:14
